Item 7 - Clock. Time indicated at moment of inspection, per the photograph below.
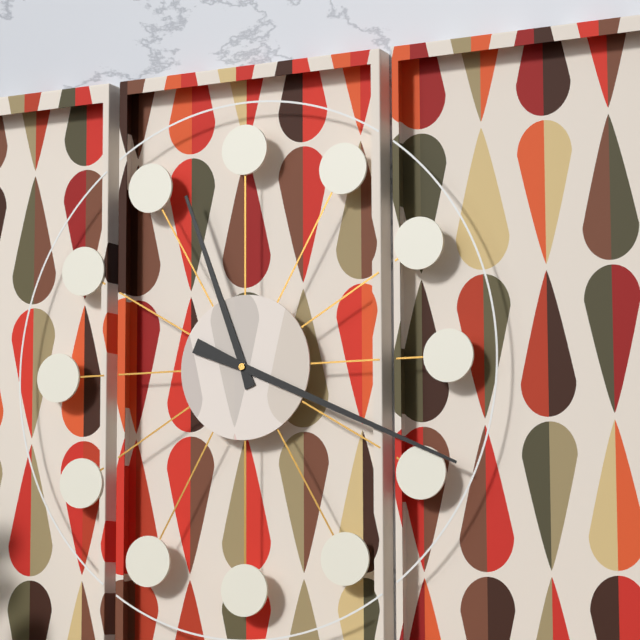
11:19
